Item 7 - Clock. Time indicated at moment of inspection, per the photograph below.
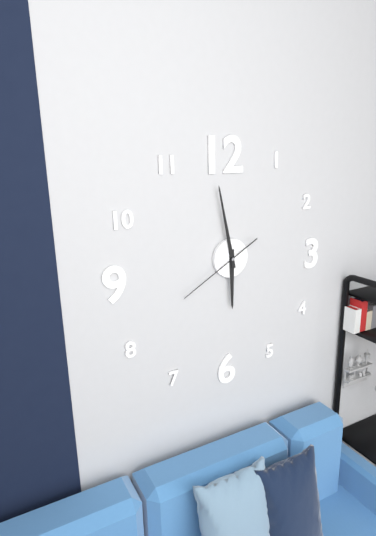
5:58:40
